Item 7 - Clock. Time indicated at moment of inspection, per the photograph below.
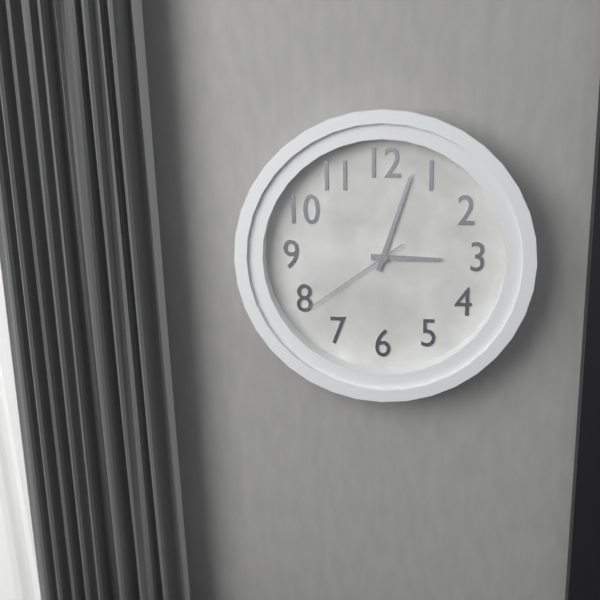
3:03:39
